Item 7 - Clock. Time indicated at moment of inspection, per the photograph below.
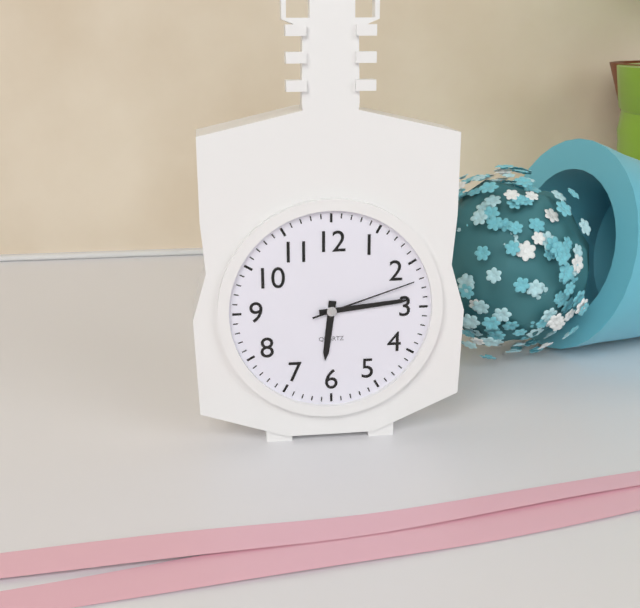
6:14:12
